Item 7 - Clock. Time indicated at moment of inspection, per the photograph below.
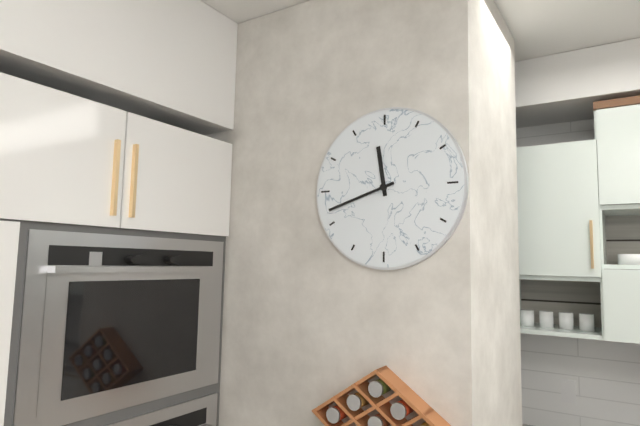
11:42
